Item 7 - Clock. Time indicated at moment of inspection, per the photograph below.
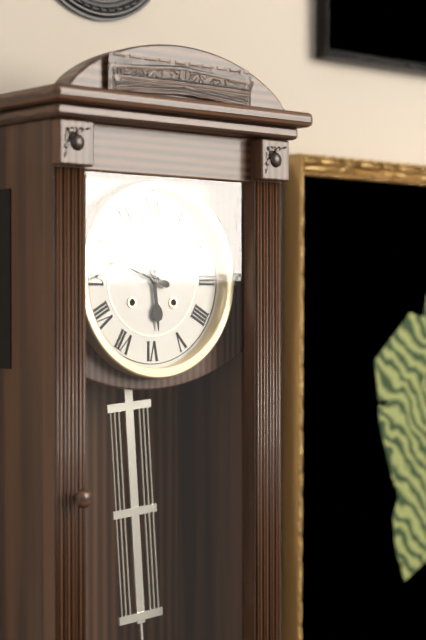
5:48
